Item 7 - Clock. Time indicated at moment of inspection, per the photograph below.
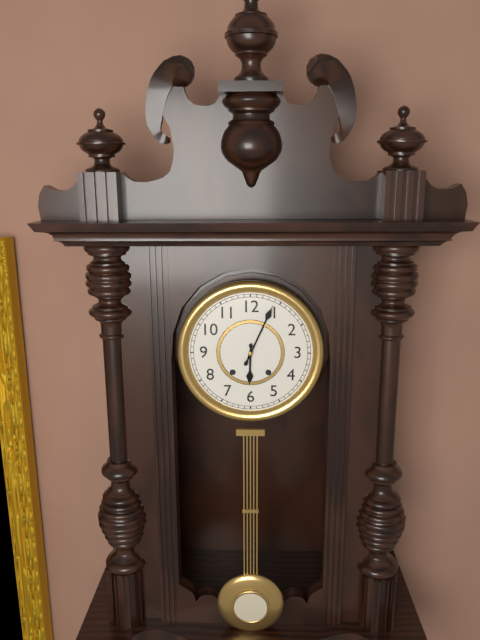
6:04
